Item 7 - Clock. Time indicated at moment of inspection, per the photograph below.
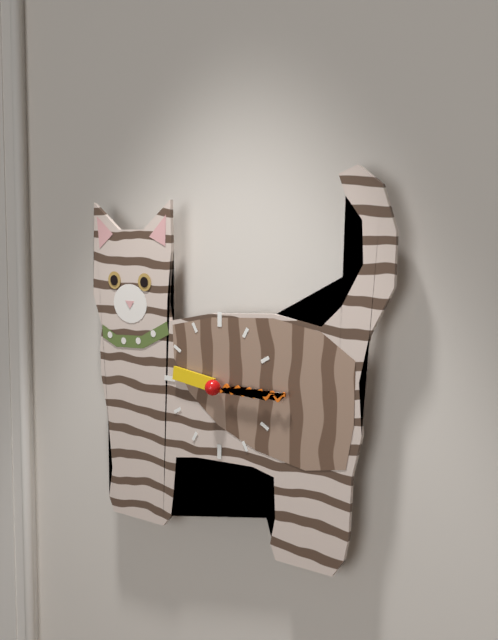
9:15
